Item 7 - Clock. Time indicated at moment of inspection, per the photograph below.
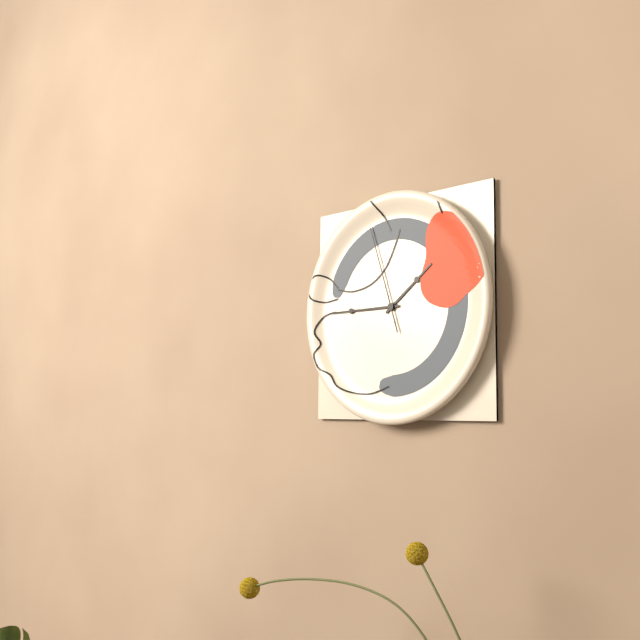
1:45:57
